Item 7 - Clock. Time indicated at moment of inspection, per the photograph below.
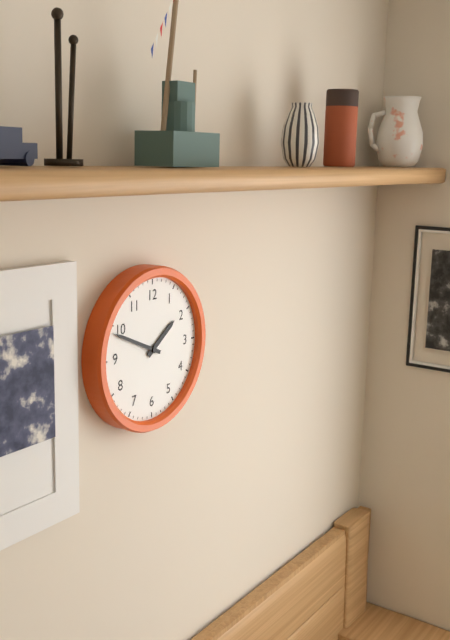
1:49
